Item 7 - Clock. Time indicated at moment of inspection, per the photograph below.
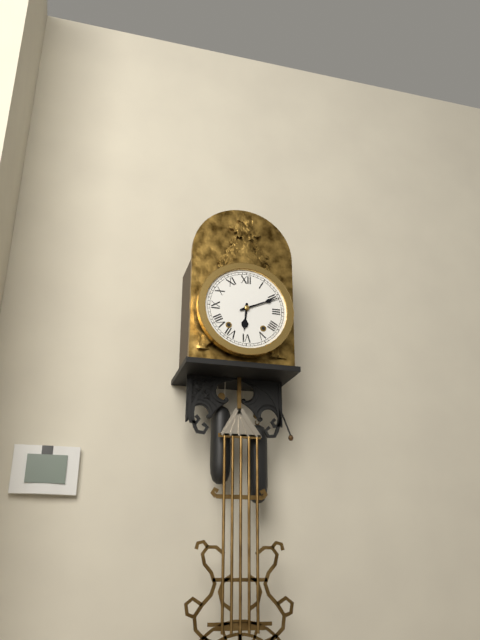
6:11
